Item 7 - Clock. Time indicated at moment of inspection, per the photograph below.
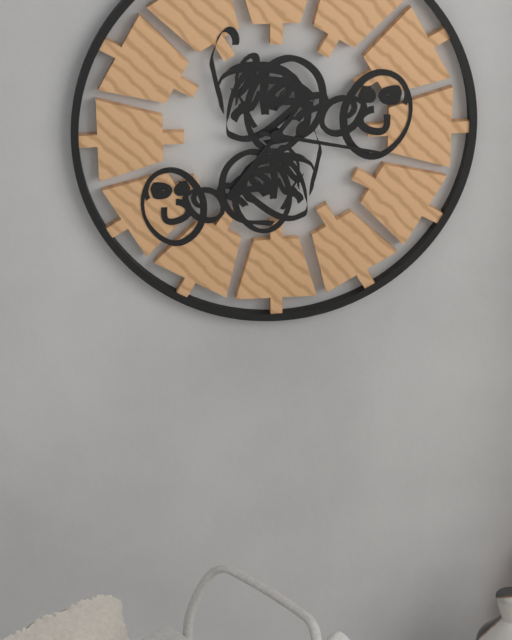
7:17
